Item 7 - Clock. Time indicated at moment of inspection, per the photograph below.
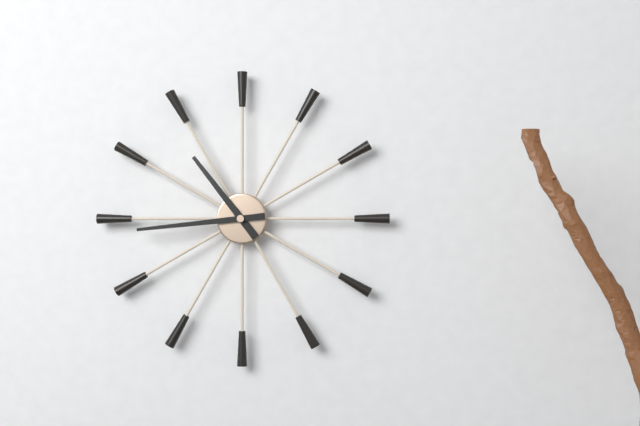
10:44
